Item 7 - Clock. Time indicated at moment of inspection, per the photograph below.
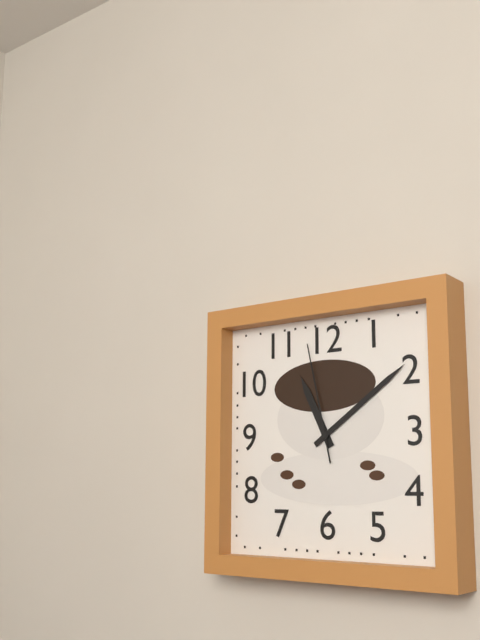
11:09:58
